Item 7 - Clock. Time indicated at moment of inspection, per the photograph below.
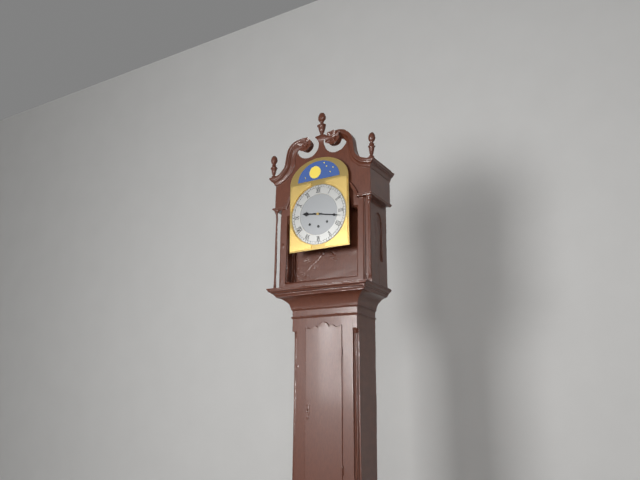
9:17
